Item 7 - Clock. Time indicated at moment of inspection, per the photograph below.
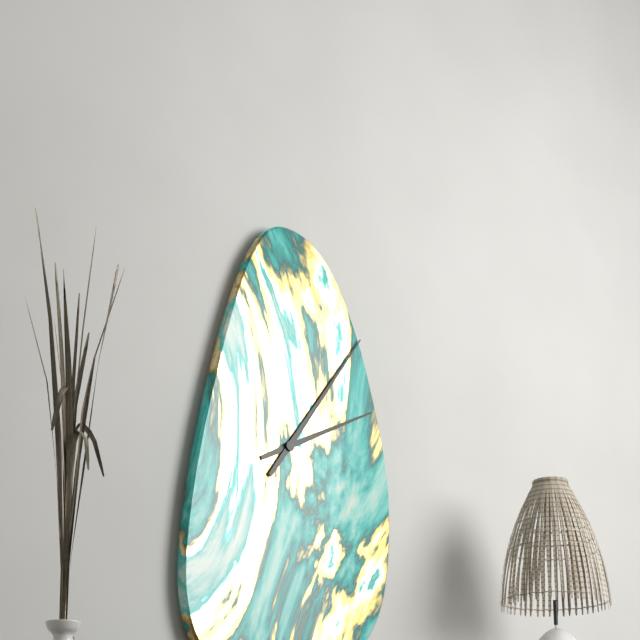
2:06
